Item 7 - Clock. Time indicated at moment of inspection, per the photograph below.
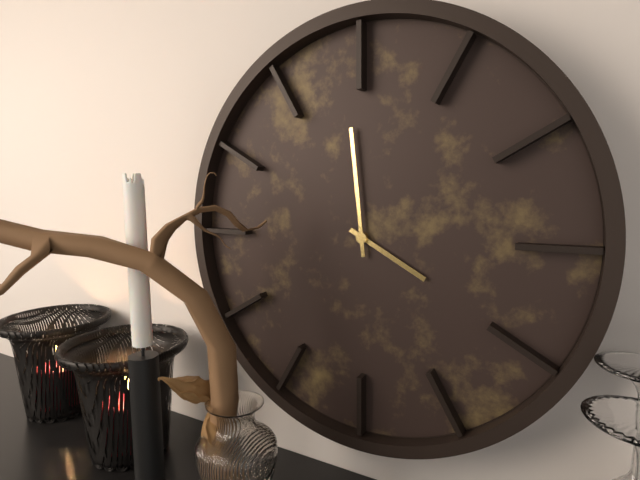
3:59
